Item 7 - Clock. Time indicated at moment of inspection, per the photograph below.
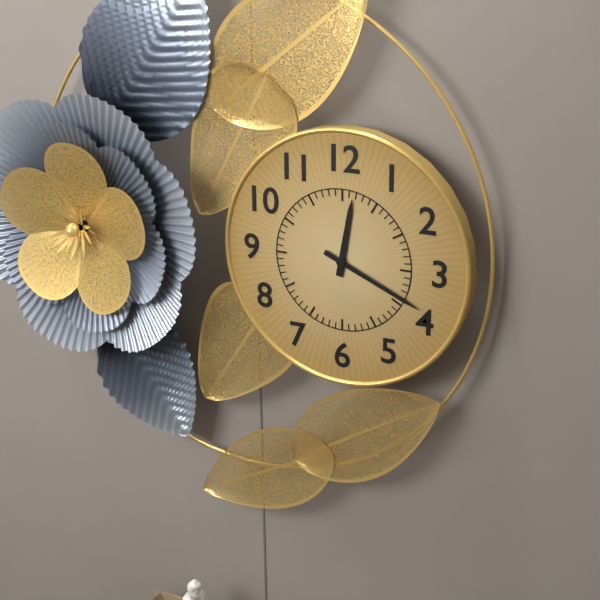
12:19
